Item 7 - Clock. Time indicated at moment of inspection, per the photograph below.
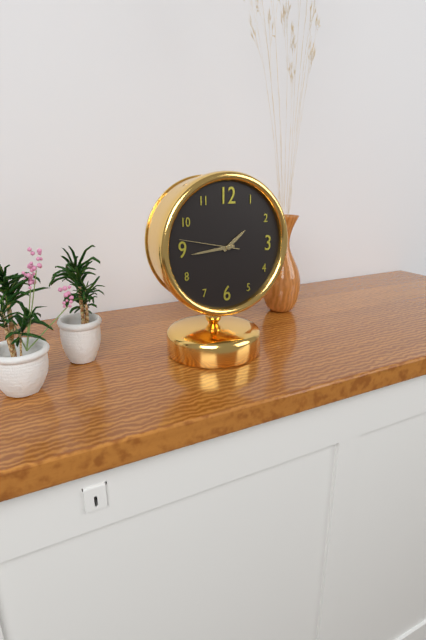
1:44:47
